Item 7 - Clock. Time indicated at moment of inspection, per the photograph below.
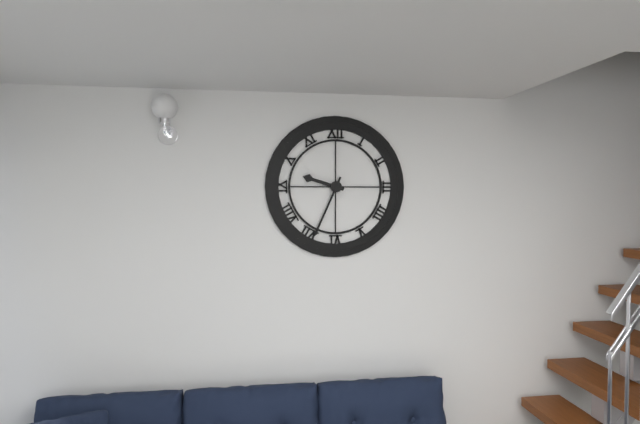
9:34
